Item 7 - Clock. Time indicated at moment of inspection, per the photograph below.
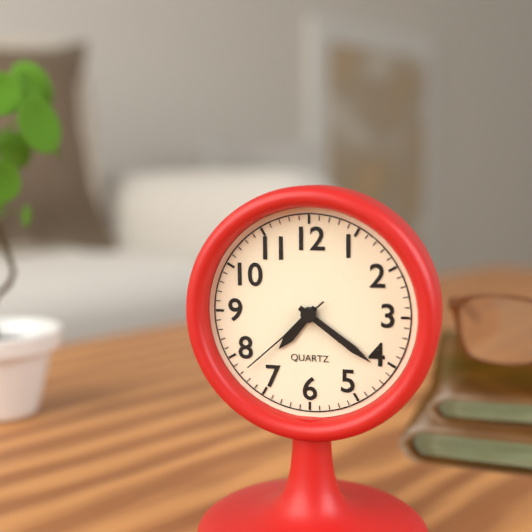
7:21:38
